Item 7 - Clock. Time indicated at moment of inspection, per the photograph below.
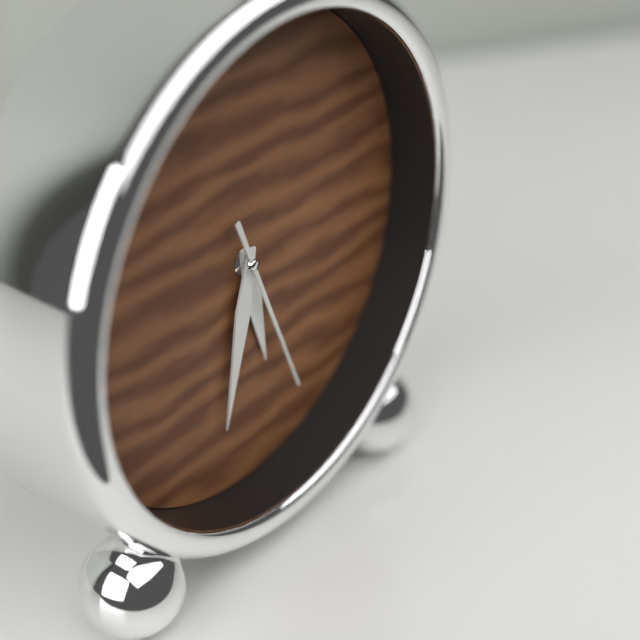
5:32:26
